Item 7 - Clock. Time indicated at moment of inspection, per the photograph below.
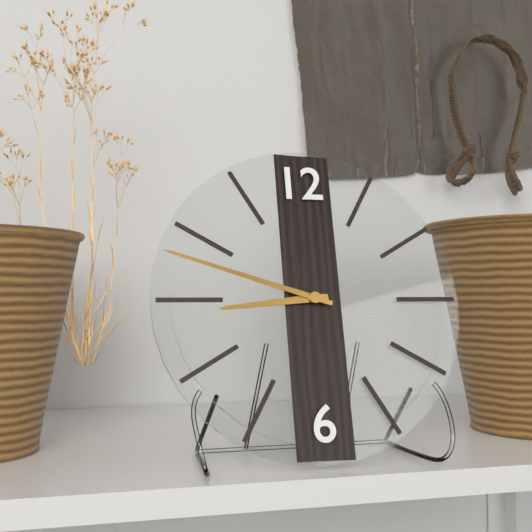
8:48
